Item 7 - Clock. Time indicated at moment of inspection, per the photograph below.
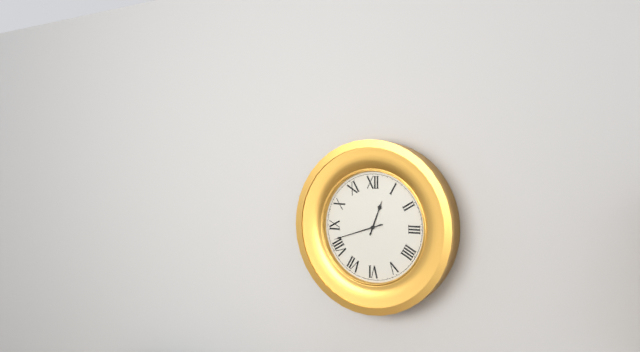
12:42
